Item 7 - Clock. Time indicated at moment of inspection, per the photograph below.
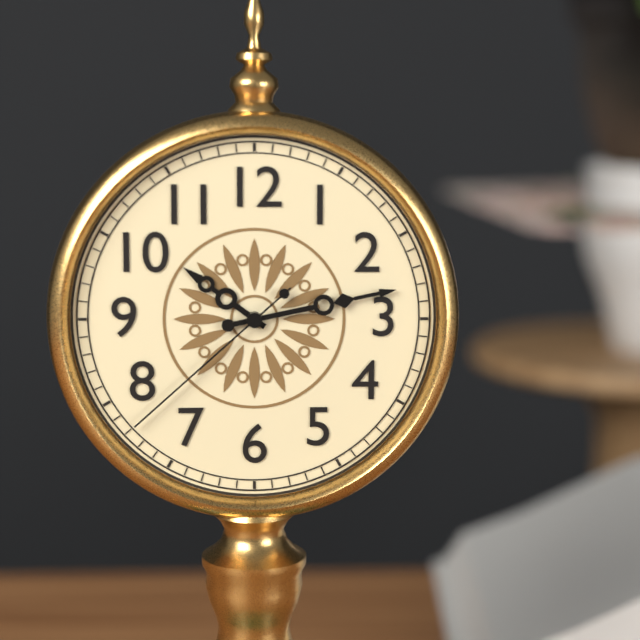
10:13:38
